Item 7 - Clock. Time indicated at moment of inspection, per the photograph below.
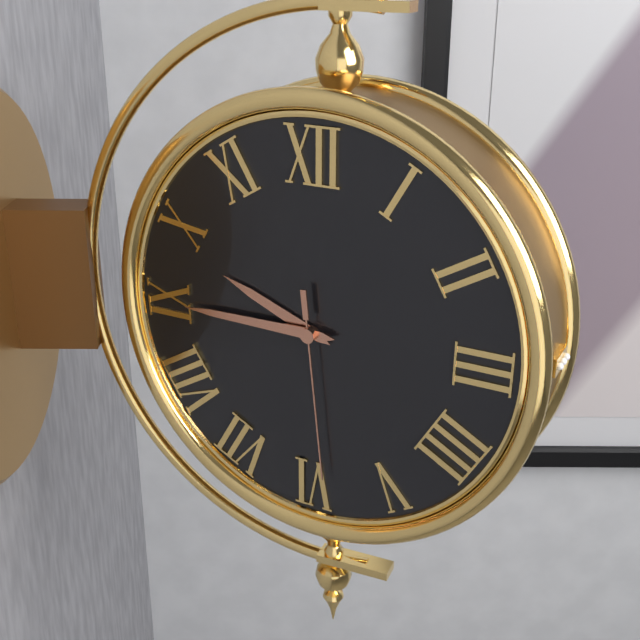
9:45:29
